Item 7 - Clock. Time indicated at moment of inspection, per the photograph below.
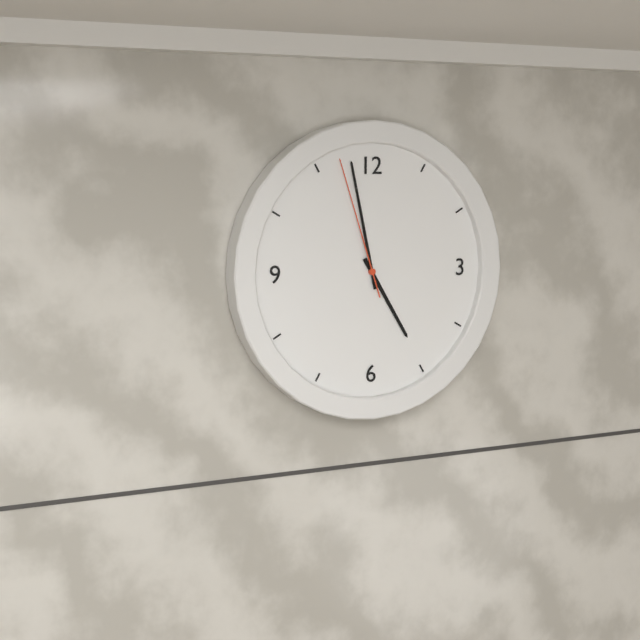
4:58:57
